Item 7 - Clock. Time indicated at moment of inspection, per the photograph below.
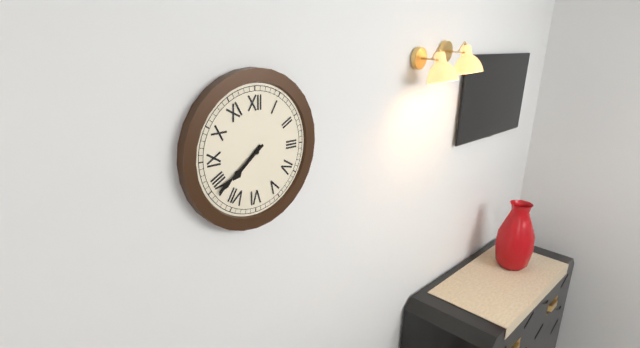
7:39
